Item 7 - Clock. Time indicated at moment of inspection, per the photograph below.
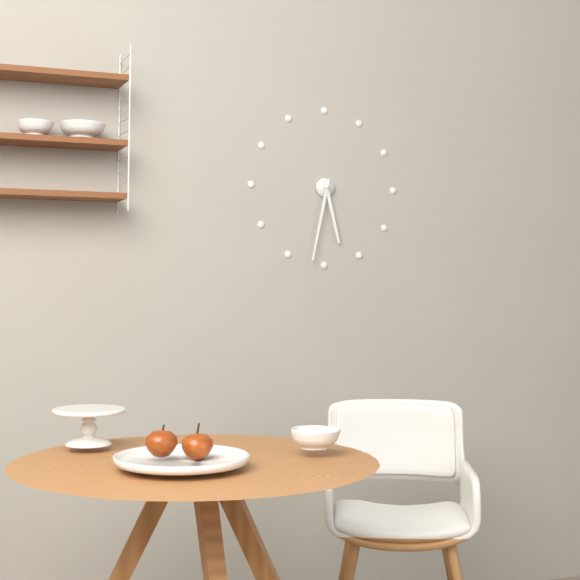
5:32
